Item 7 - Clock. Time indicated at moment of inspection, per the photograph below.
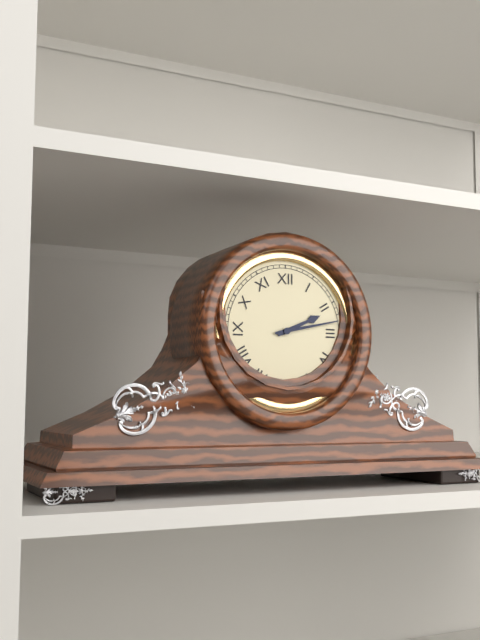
2:13
